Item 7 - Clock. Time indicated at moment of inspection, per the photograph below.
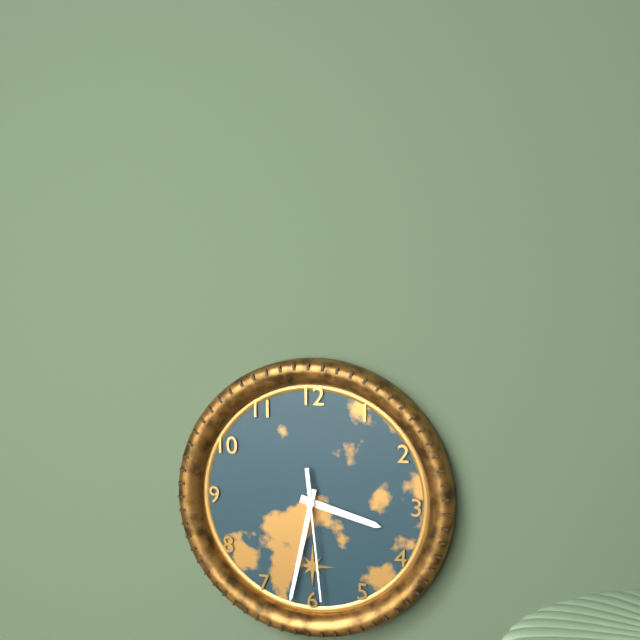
3:32:29
